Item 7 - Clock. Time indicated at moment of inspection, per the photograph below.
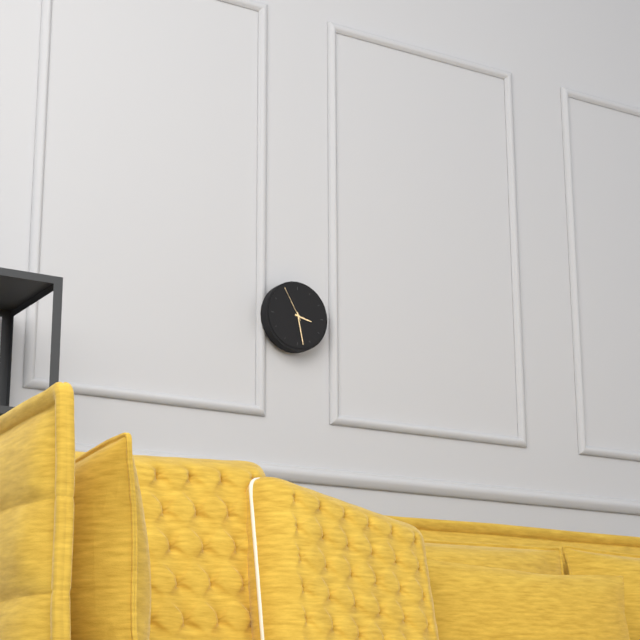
3:28
